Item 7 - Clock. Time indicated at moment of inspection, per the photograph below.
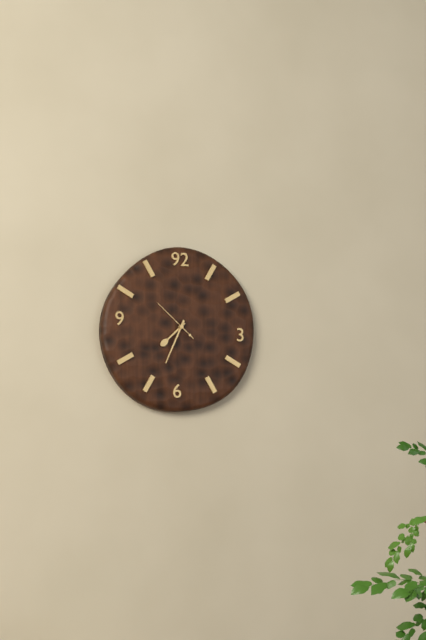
7:34
